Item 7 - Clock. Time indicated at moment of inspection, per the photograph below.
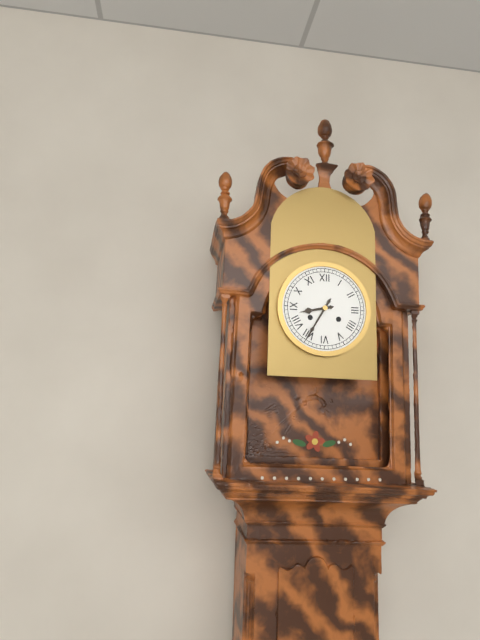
8:35
